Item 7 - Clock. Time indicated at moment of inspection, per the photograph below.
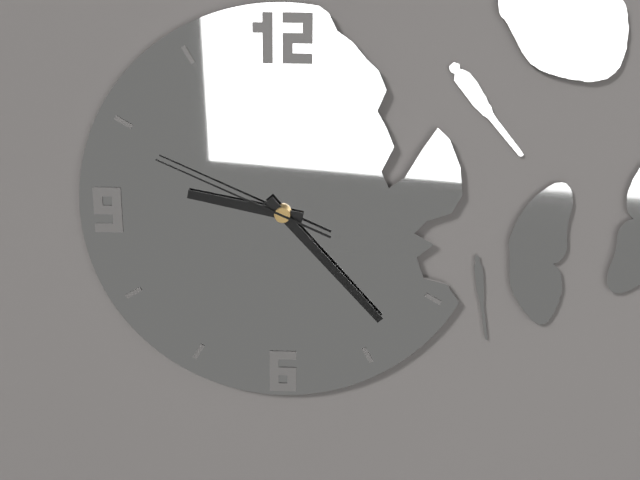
9:23:49
